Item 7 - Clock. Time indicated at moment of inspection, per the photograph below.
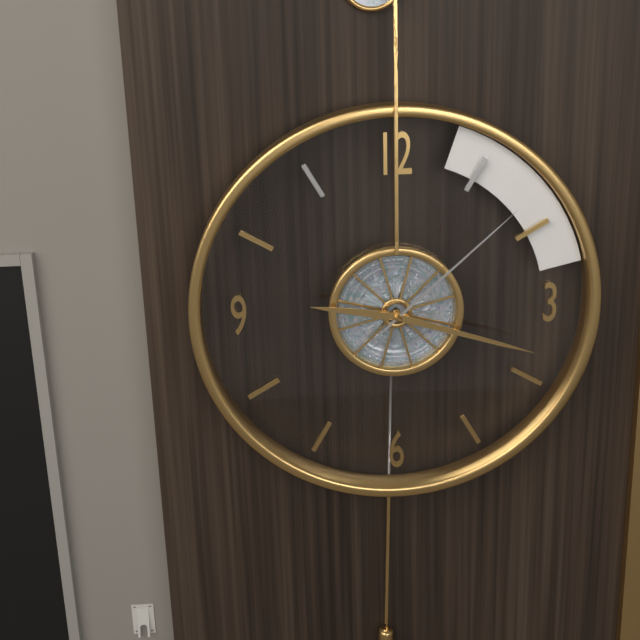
9:18:08
